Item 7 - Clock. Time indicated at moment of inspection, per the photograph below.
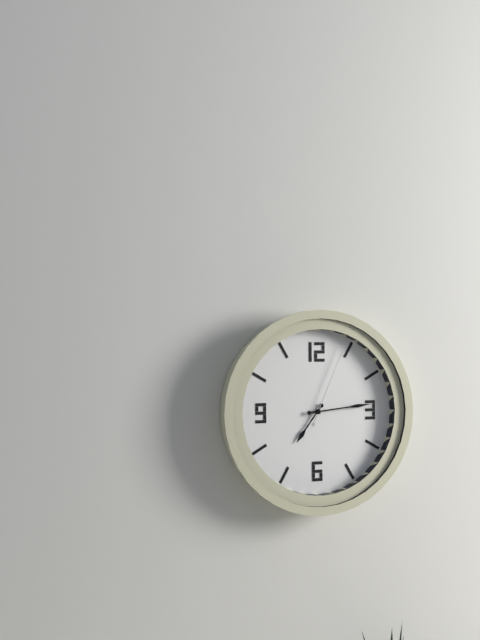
7:14:04
